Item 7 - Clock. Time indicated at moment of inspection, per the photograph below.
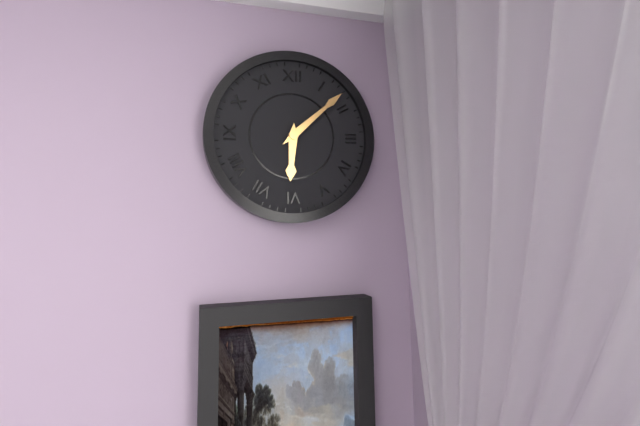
6:08
